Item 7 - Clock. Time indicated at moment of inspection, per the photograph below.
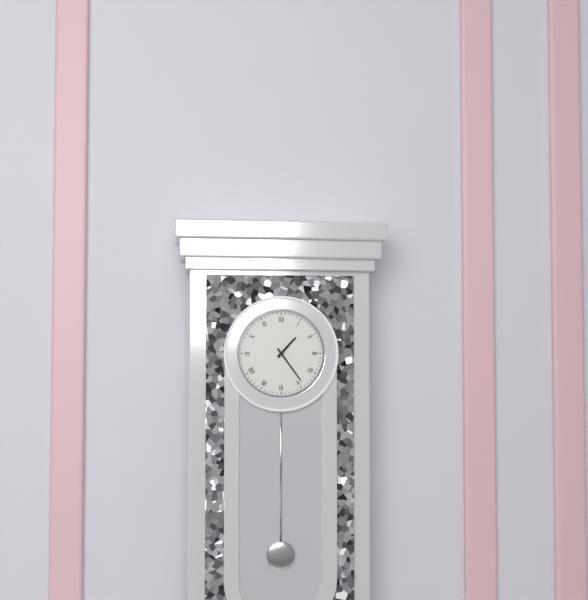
1:24
